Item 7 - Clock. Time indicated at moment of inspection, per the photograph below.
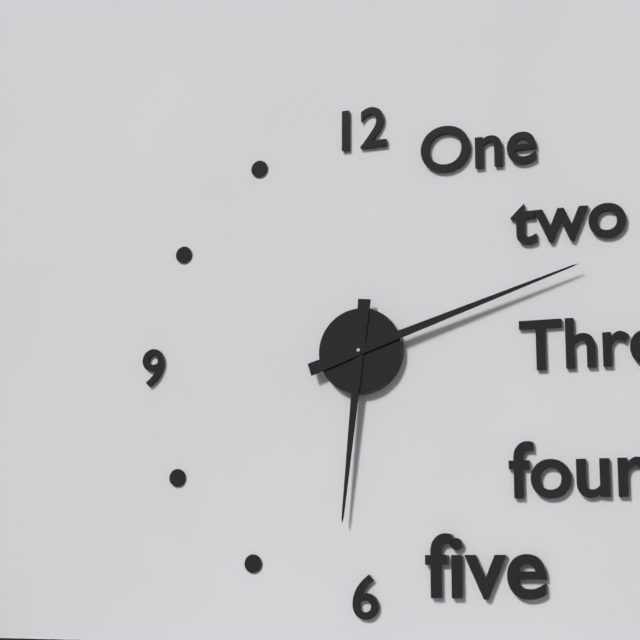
6:12
